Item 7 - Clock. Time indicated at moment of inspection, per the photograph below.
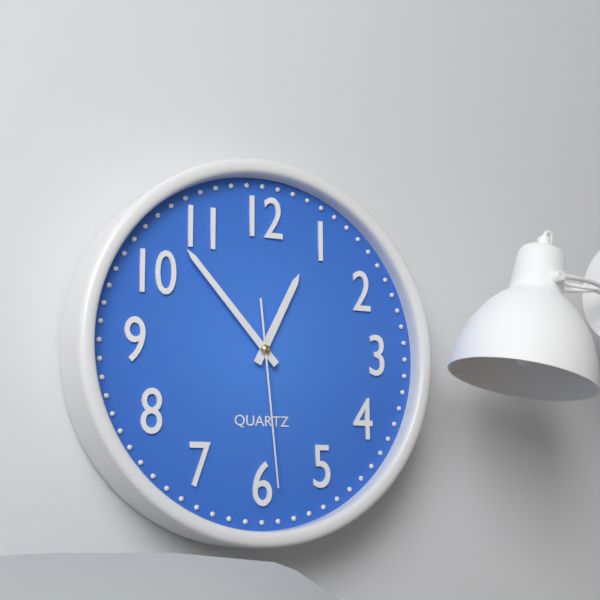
12:53:29
